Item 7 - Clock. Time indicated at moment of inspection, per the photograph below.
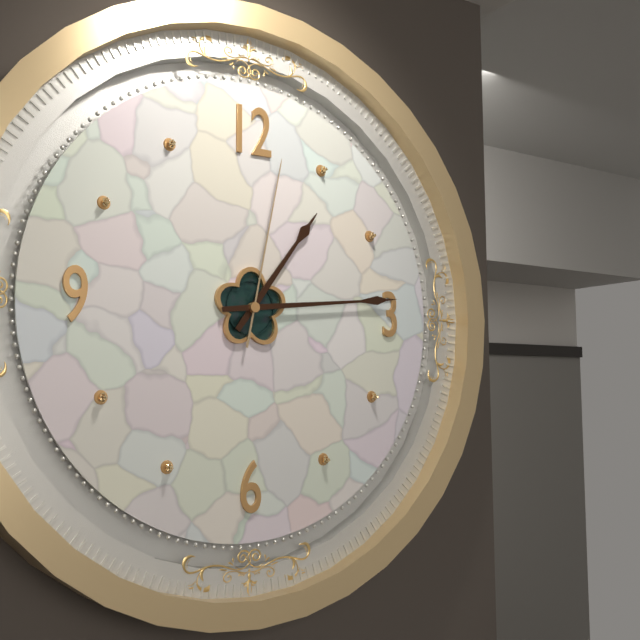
1:14:02
